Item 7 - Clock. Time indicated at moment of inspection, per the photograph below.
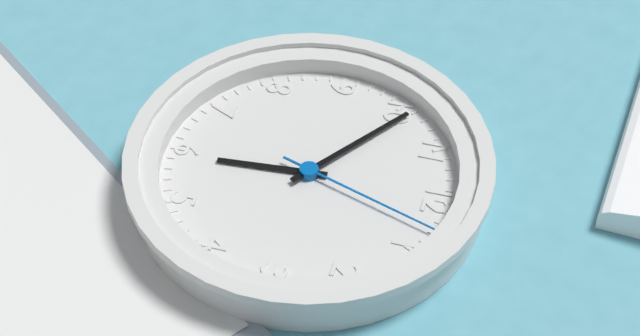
5:51:03
